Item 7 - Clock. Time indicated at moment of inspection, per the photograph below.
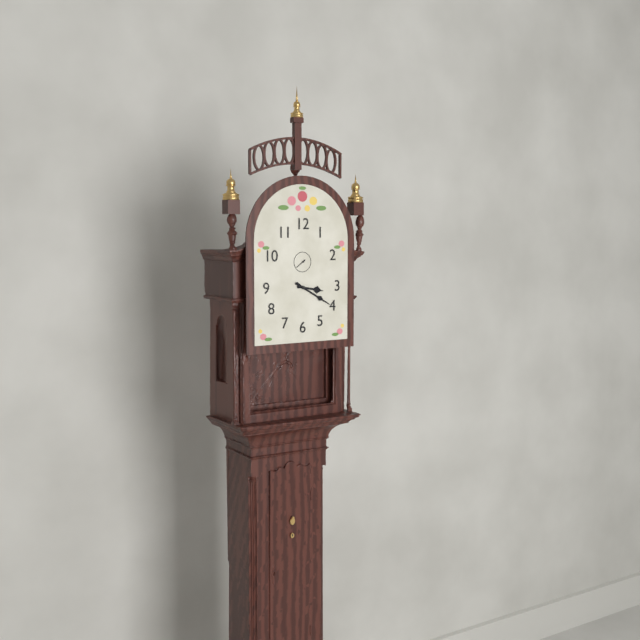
3:20
